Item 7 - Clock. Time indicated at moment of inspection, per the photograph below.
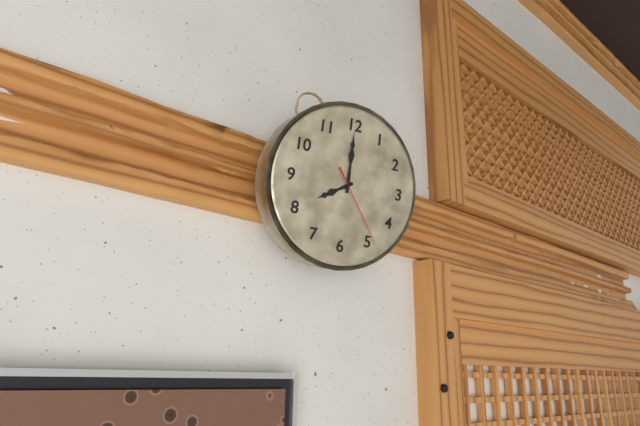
8:00:24
